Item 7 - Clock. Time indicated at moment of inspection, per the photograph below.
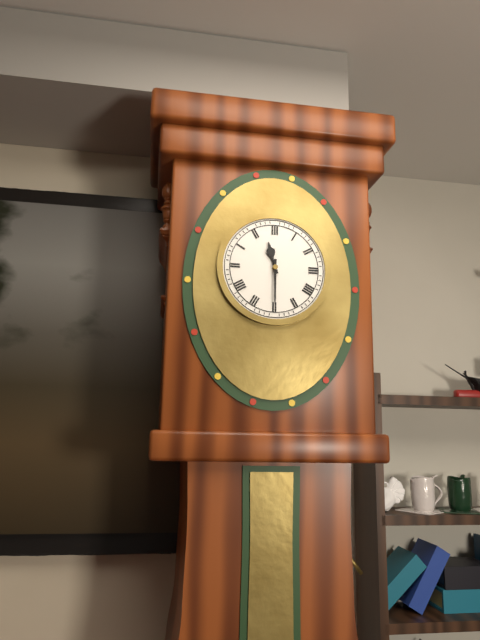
11:30
